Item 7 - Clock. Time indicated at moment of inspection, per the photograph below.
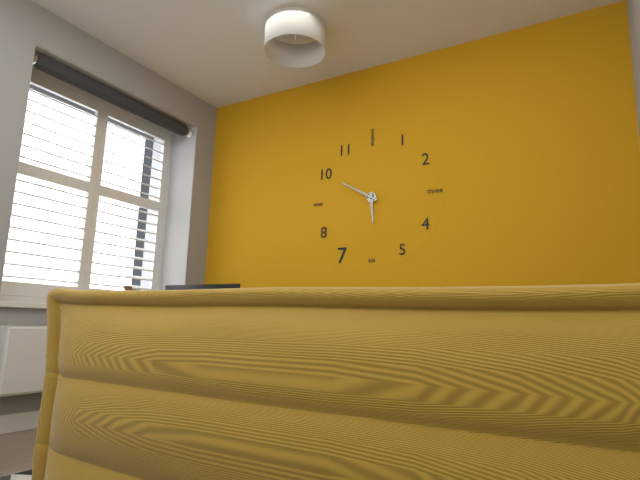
5:50
